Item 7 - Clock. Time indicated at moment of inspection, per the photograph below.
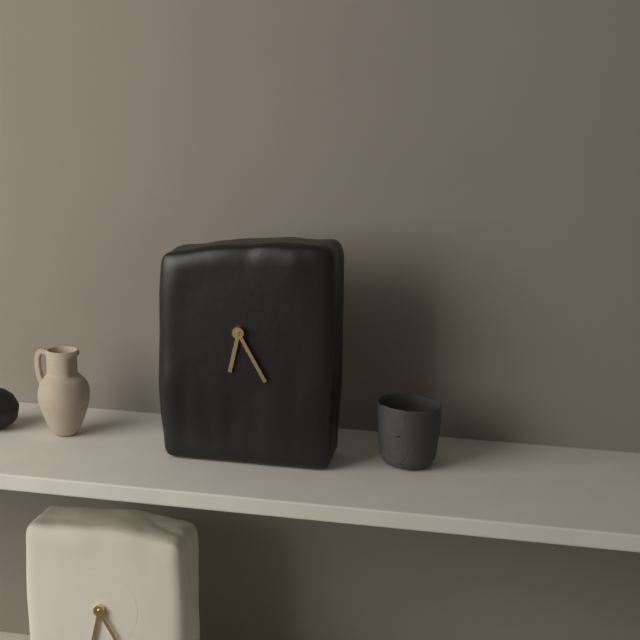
6:25
